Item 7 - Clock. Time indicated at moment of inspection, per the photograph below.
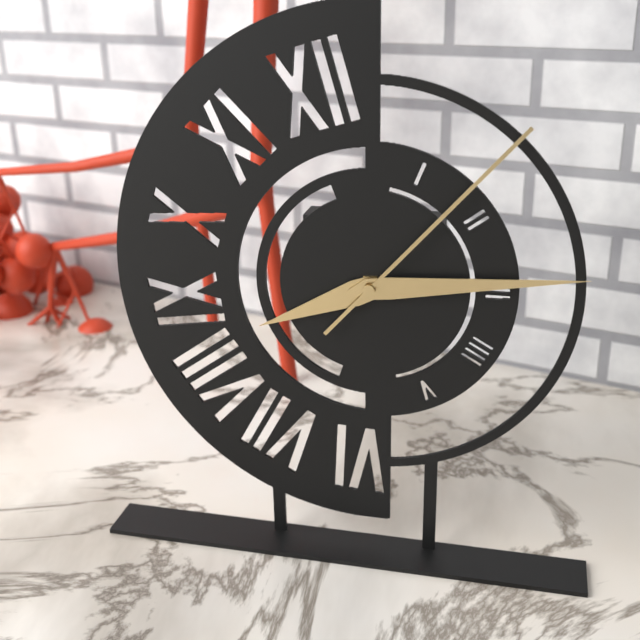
8:14:07
